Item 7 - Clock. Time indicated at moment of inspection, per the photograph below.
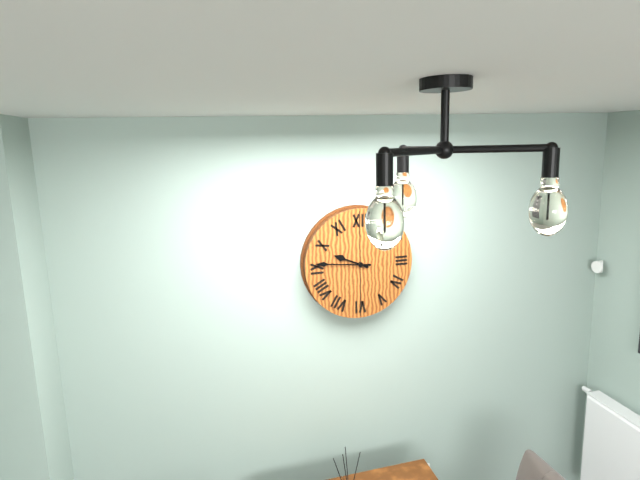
9:46
